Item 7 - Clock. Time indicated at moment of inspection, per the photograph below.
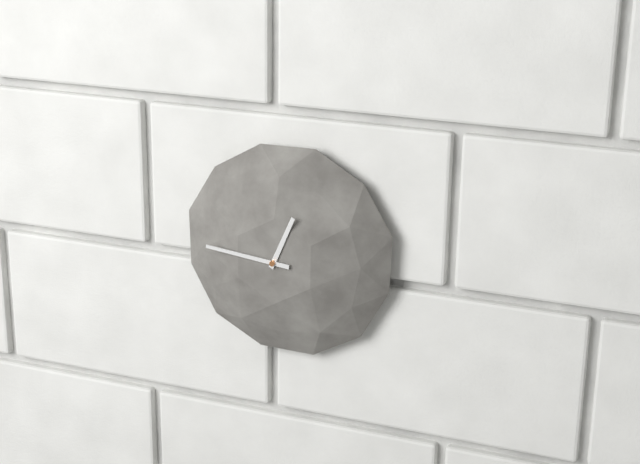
12:46
